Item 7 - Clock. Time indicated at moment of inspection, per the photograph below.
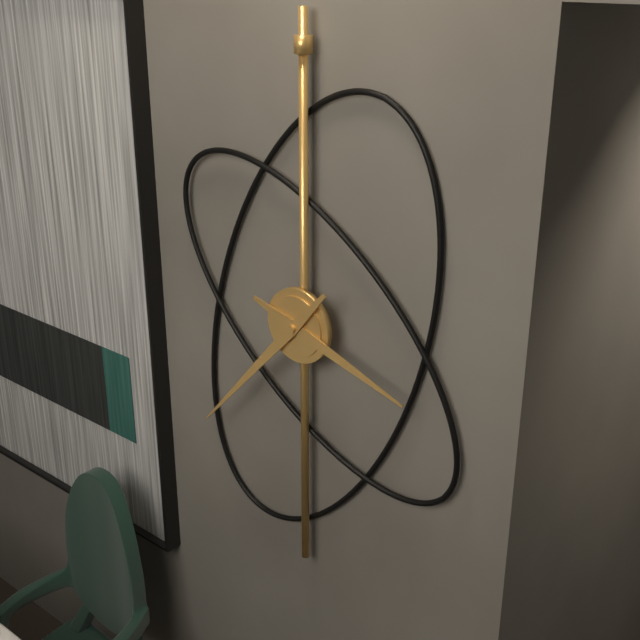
3:37
